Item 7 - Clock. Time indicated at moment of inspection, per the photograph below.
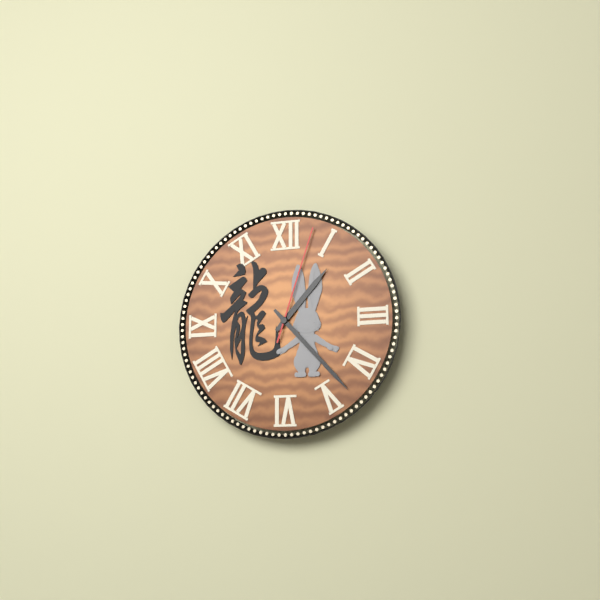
1:23:03
